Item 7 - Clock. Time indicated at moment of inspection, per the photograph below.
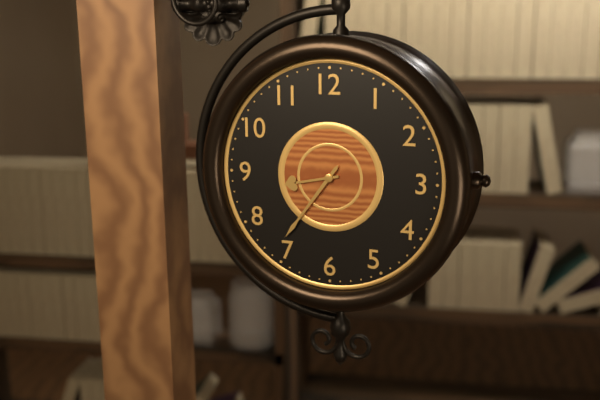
8:36
